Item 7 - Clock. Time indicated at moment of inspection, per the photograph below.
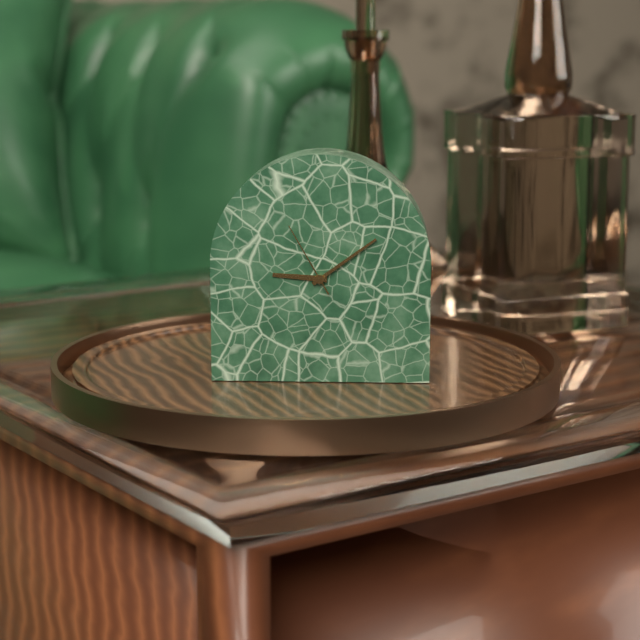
9:09:55
